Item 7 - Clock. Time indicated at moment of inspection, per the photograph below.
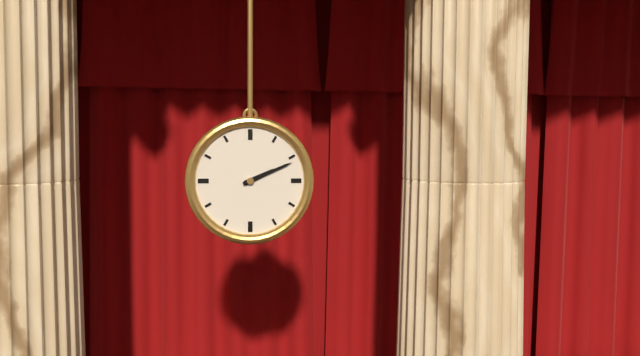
2:11
